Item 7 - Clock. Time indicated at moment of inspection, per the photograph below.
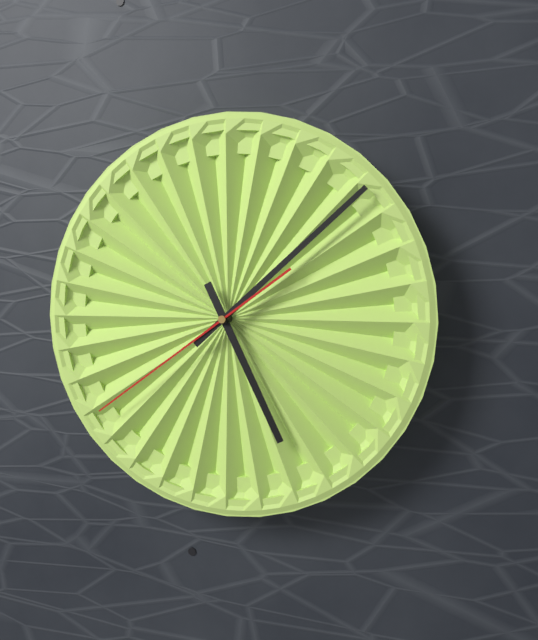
5:08:39
